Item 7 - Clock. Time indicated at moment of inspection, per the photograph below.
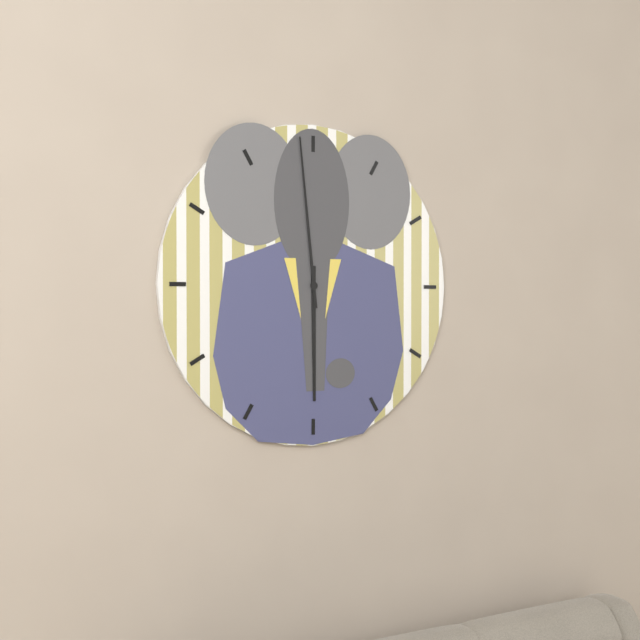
5:59
